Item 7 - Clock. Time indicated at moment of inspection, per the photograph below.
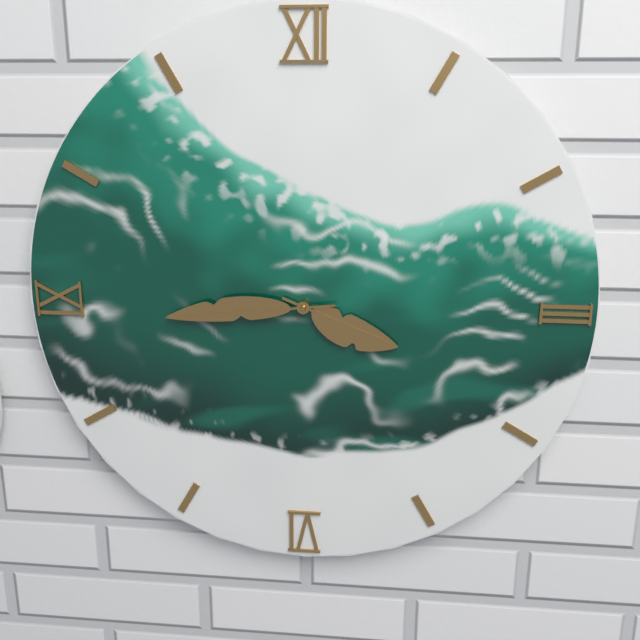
3:44
